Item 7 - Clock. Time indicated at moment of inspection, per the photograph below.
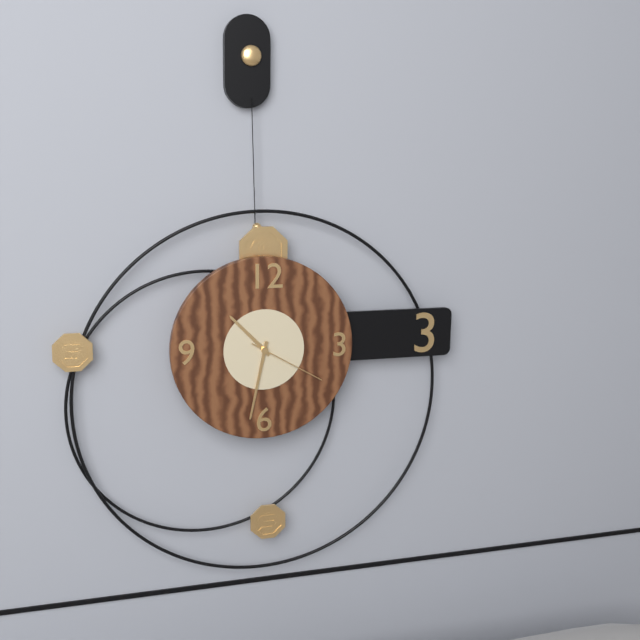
10:32:20
